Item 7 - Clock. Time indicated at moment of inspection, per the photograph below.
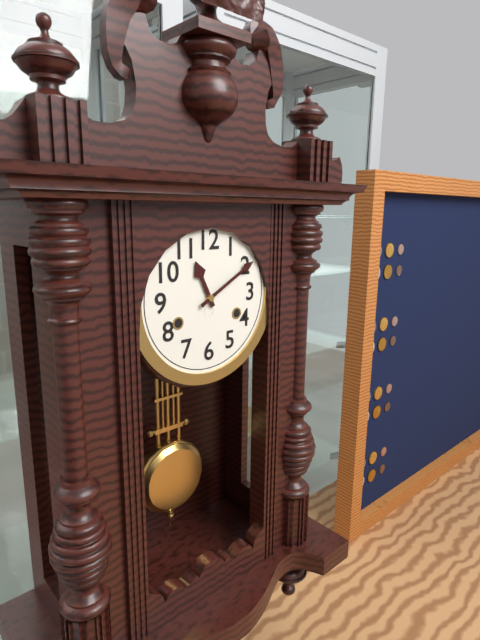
11:10
